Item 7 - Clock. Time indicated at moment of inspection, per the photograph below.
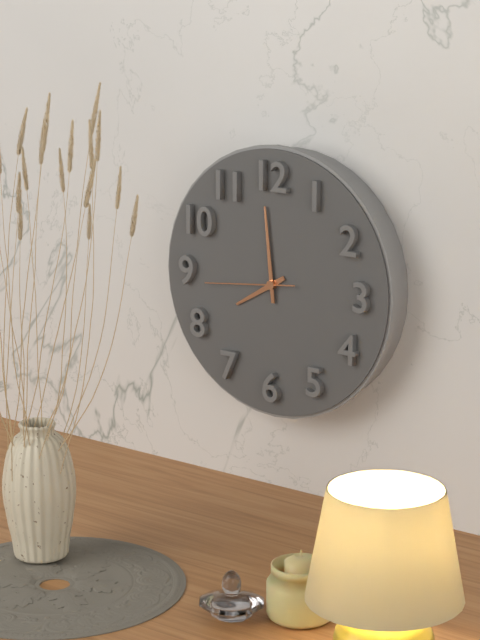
7:59:44
